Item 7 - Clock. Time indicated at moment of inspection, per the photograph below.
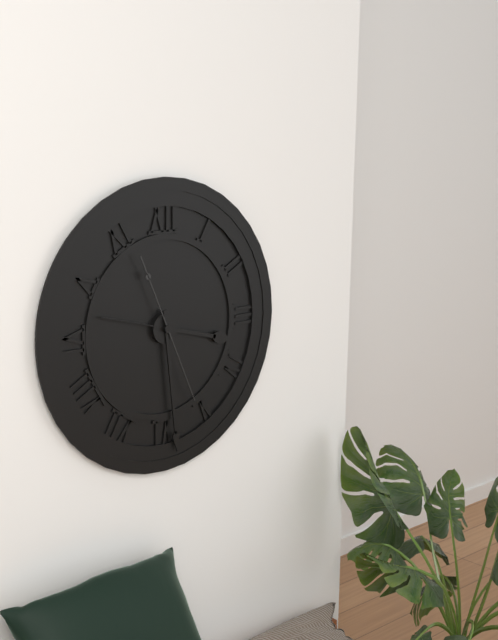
3:29:26
